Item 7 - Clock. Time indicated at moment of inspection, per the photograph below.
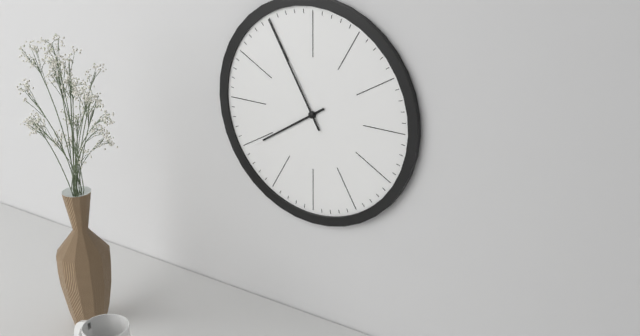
7:55
